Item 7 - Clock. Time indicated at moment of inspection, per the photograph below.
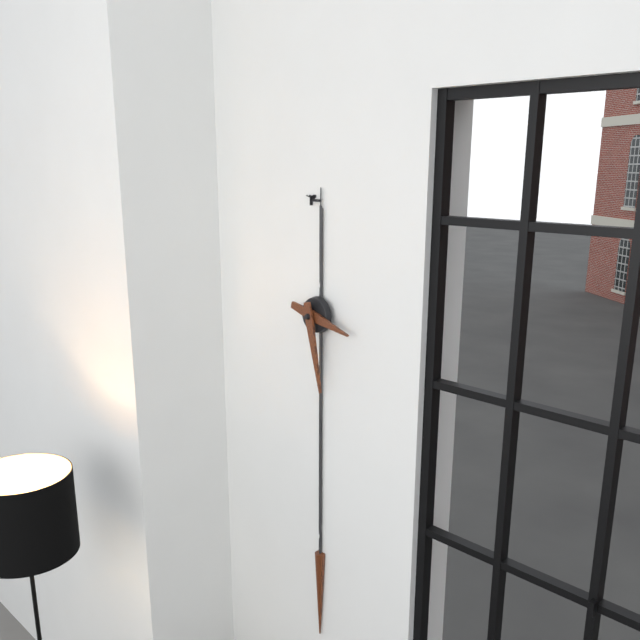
3:28
